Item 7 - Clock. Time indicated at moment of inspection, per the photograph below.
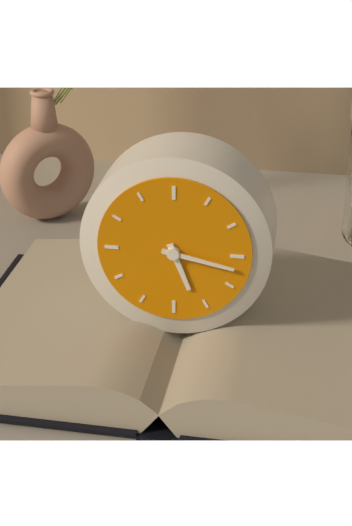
5:17
